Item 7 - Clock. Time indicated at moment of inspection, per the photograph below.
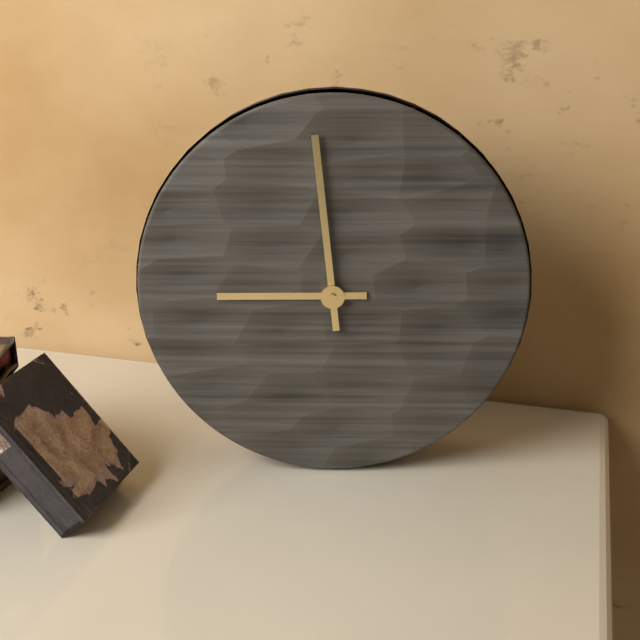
8:59
